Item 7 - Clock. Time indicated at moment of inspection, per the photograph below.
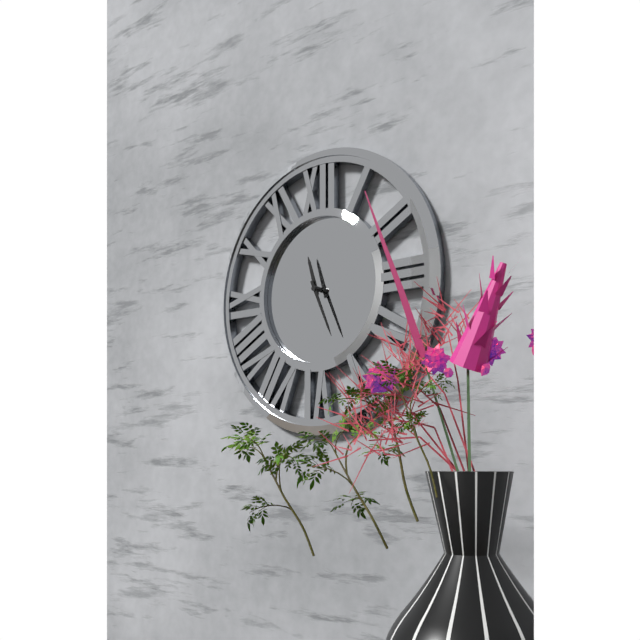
11:26
